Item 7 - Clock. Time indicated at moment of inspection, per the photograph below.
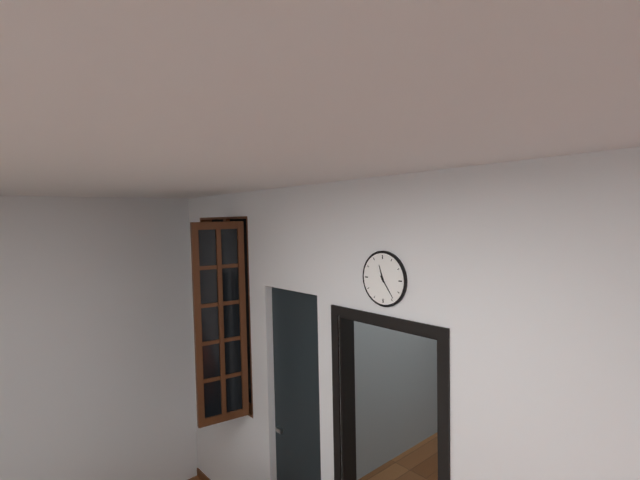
11:24
